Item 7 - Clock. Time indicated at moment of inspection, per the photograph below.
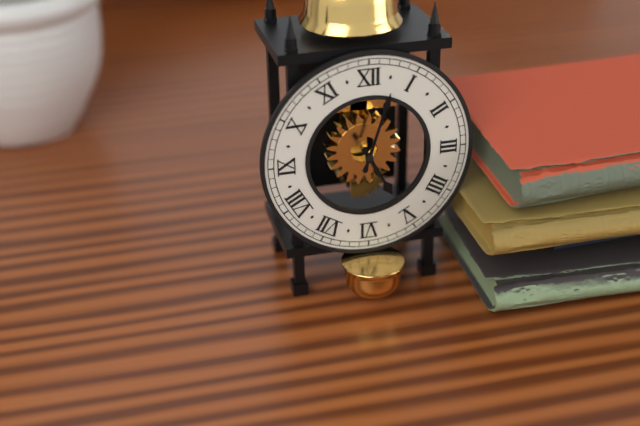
5:03
